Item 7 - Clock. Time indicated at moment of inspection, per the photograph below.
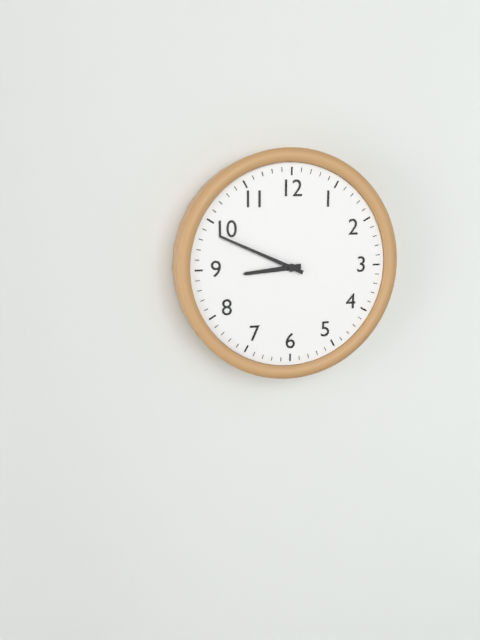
8:49
